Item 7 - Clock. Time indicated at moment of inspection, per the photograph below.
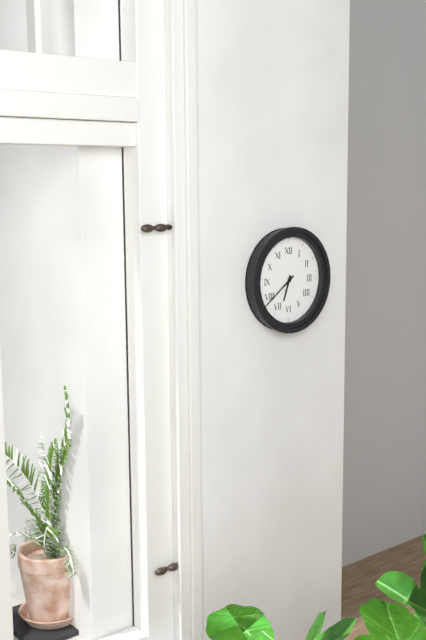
6:39
